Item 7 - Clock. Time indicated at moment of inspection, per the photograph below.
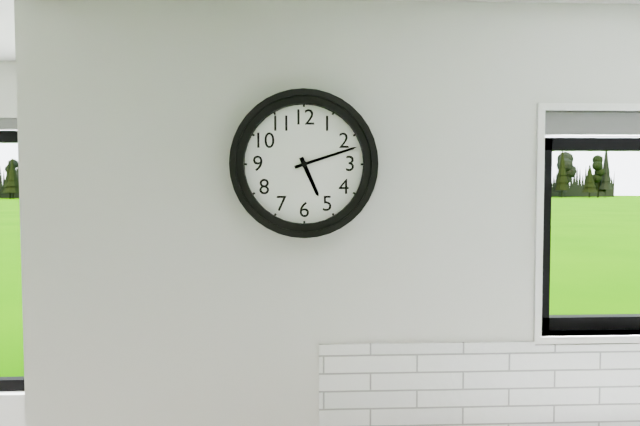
5:12
